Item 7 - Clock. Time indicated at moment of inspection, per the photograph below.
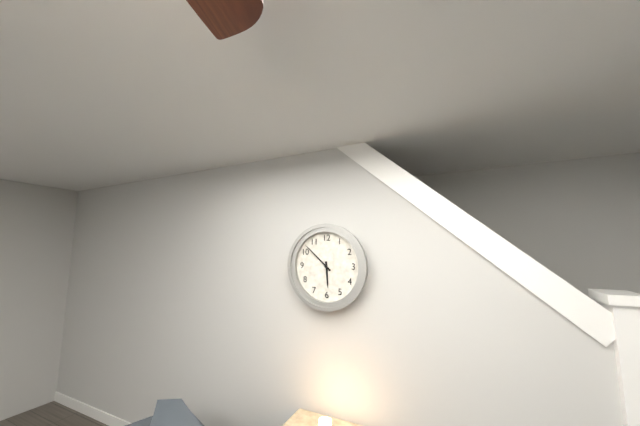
5:52
